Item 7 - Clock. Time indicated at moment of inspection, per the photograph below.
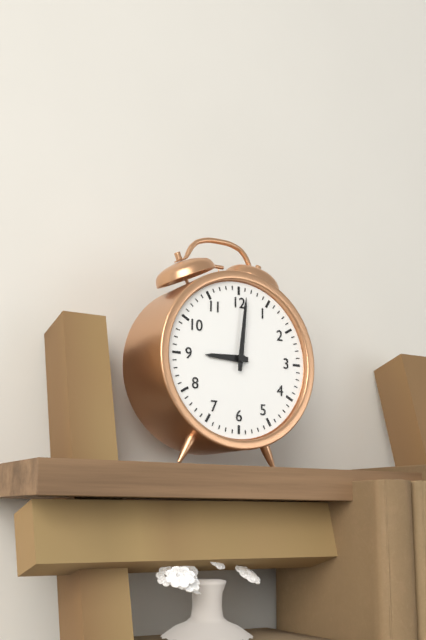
9:01
